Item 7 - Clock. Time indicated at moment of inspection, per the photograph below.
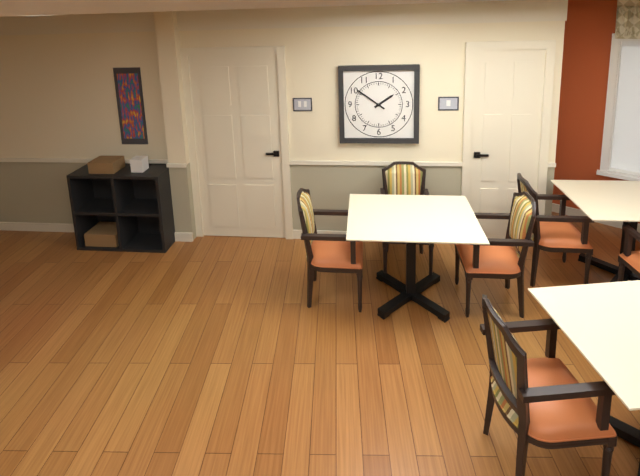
1:51
